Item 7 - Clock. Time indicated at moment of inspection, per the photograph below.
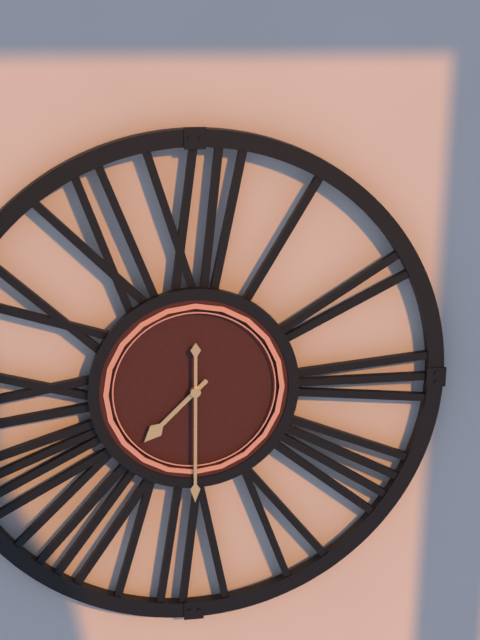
7:30
